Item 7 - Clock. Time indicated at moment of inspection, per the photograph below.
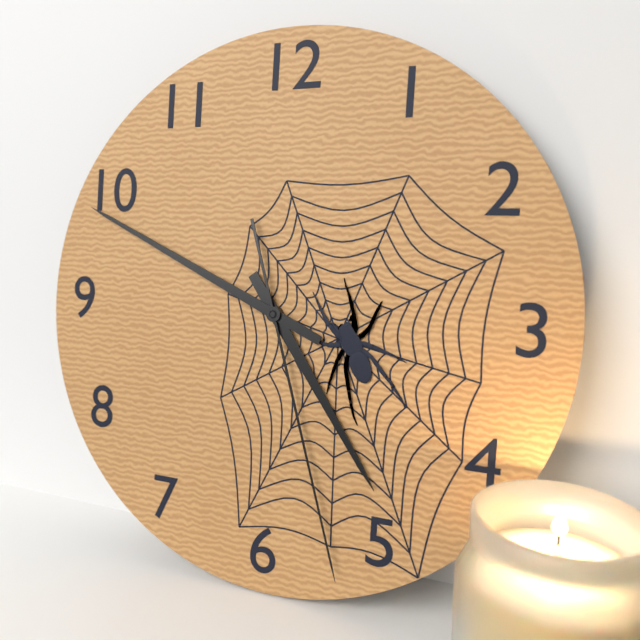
4:49:27
